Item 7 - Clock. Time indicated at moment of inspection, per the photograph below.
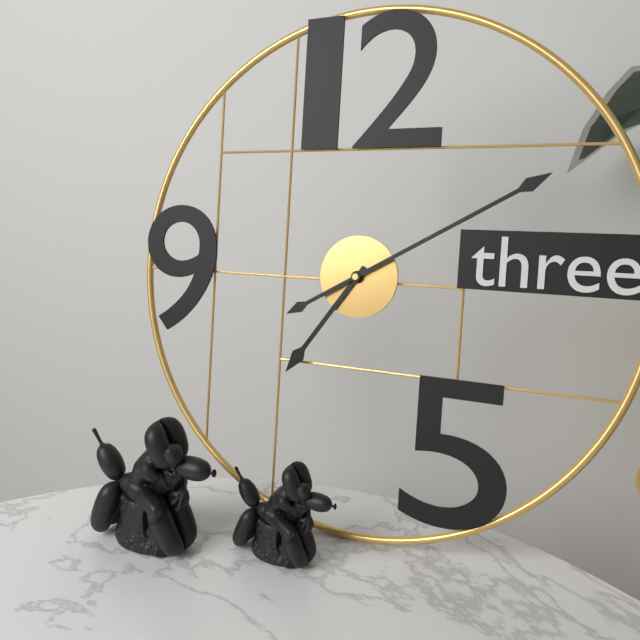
7:10
